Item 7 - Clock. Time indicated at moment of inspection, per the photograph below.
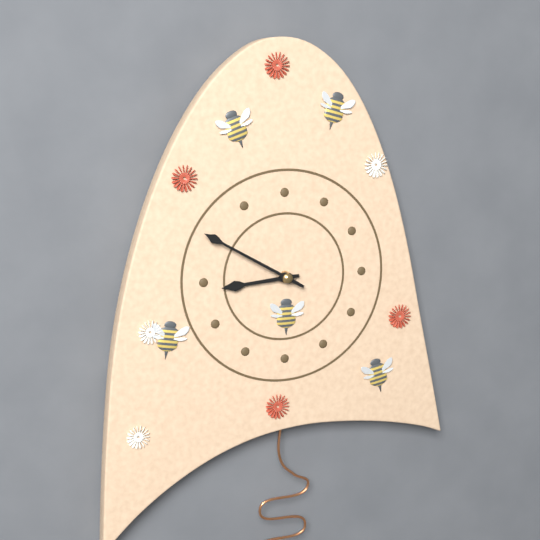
8:50
